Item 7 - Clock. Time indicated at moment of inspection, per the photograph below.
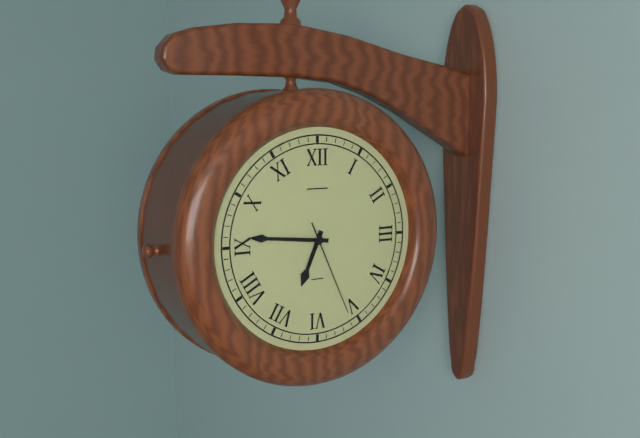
6:46:26
